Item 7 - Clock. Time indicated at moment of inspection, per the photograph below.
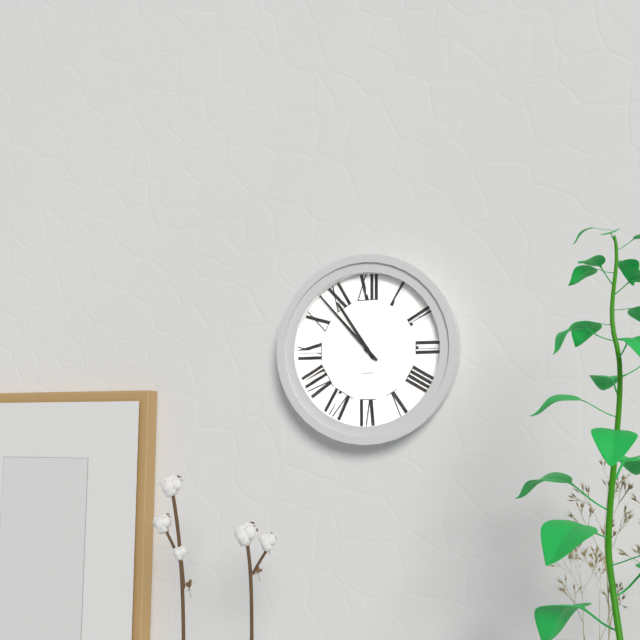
10:53
